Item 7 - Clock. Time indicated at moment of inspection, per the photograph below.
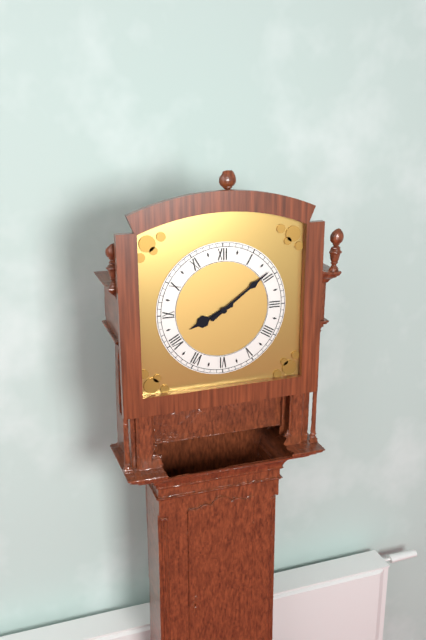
8:09
